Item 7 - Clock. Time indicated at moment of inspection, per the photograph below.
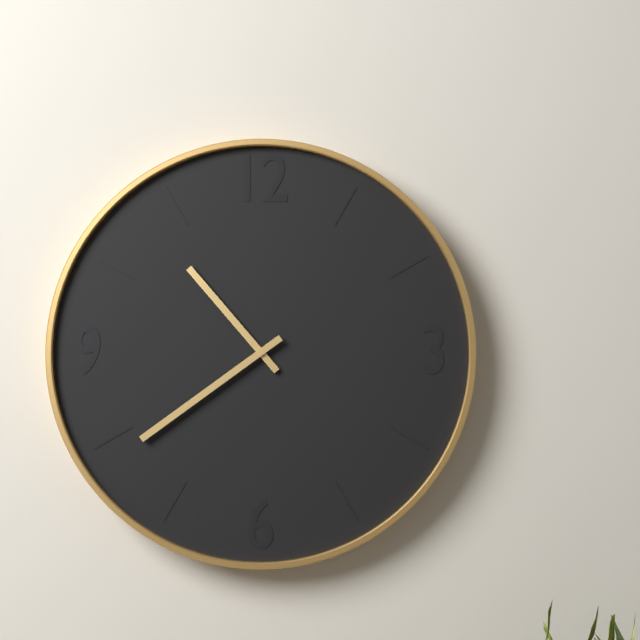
10:39
